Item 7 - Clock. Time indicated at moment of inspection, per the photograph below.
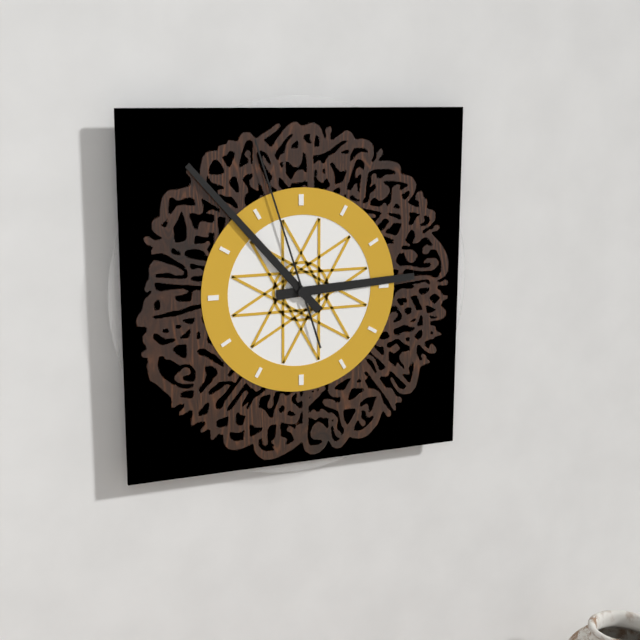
2:53:57
